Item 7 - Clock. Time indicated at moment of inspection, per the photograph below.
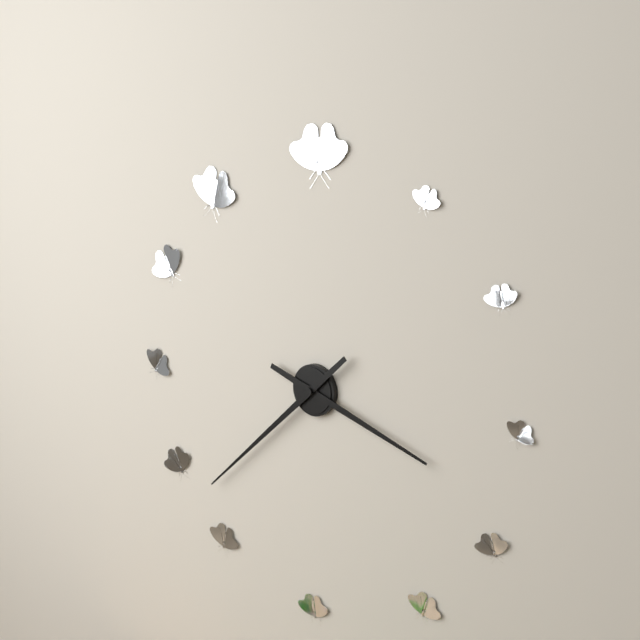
3:38
